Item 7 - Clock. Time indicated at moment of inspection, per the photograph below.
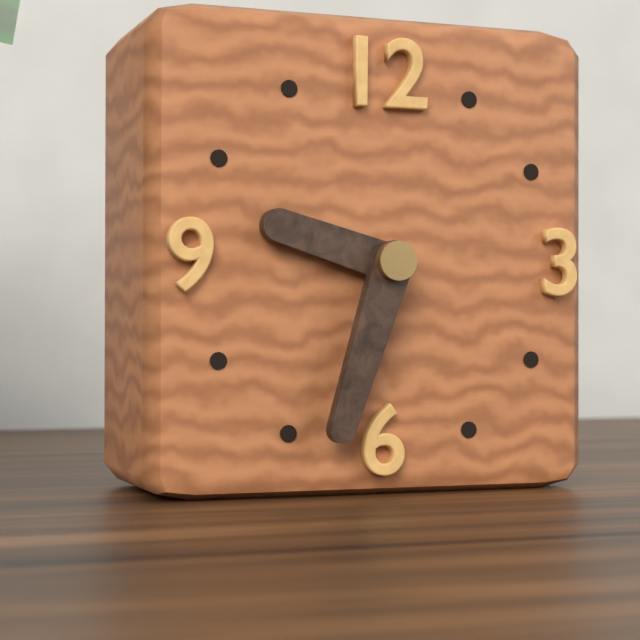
9:33
